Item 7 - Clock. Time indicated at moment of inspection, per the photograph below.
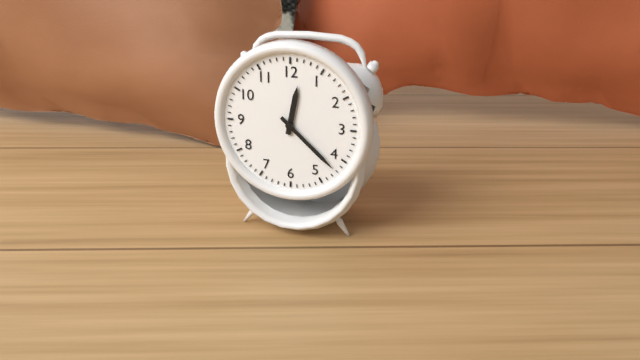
12:22
